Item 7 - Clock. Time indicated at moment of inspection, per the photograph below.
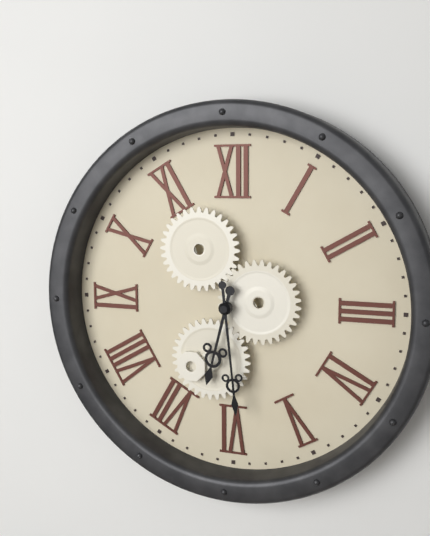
6:29
